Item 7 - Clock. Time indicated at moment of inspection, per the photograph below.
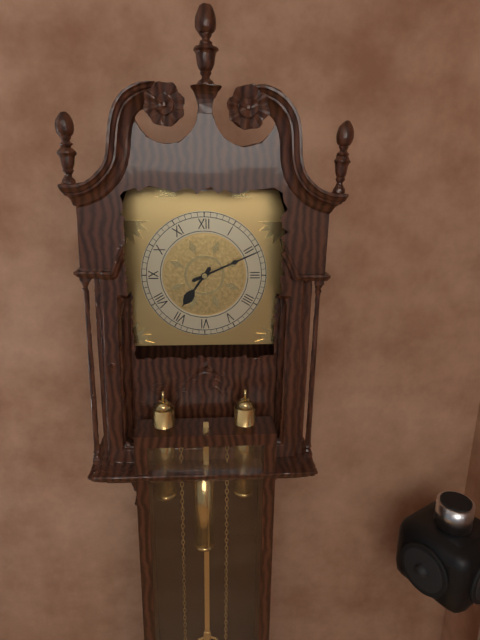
7:11
